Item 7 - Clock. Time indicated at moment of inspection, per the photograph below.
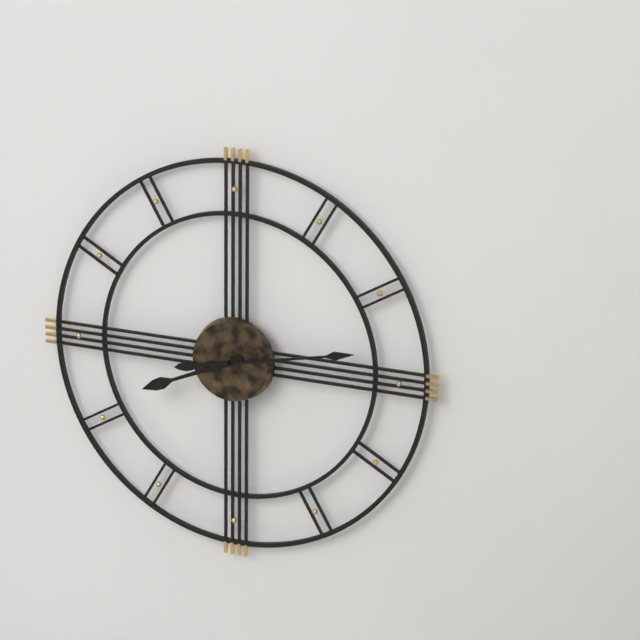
8:13
